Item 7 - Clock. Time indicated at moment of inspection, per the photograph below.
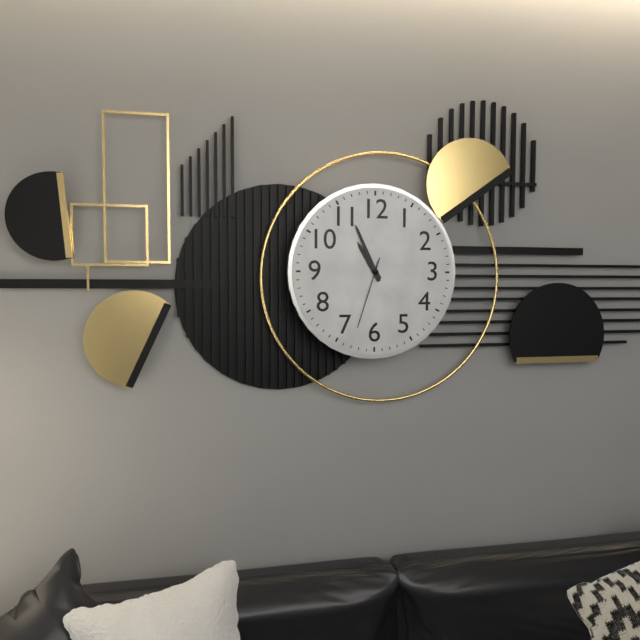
10:56:33
